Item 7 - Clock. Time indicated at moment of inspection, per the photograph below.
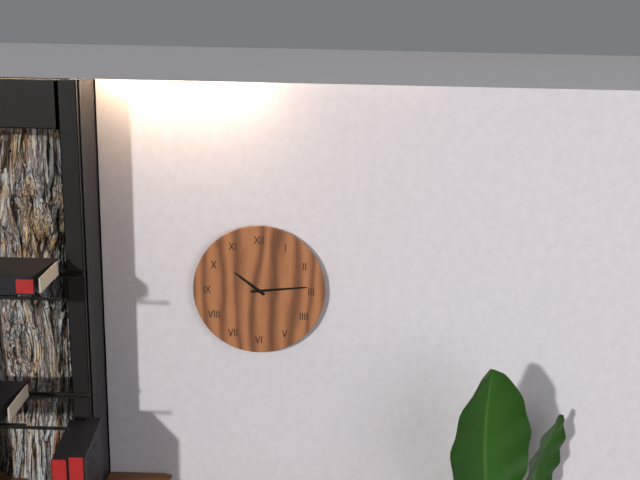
10:14
